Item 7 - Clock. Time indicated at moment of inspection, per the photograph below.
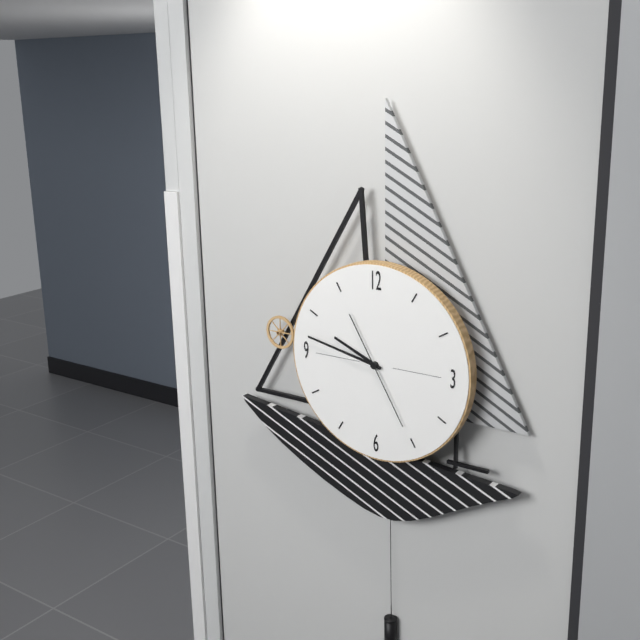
9:47:25
